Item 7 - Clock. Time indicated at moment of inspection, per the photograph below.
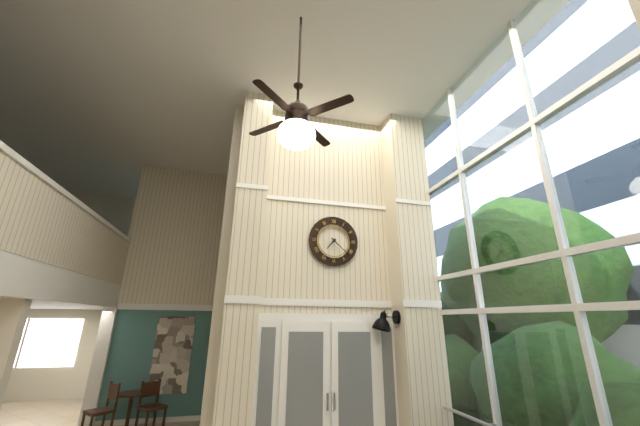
7:22
